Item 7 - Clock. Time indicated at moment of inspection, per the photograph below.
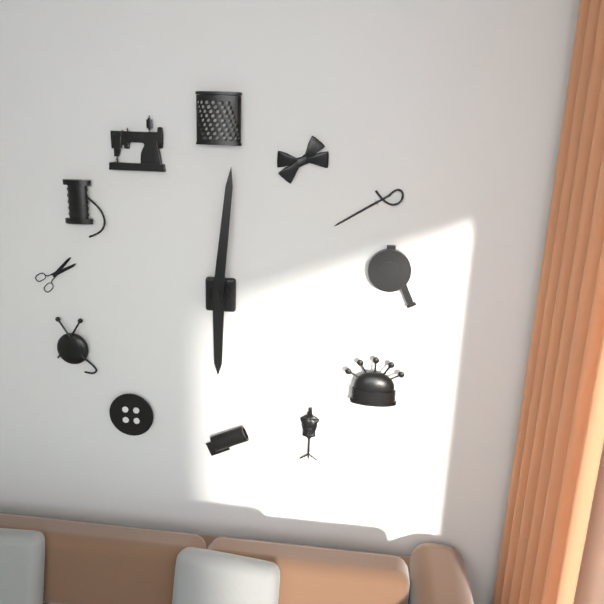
6:01
